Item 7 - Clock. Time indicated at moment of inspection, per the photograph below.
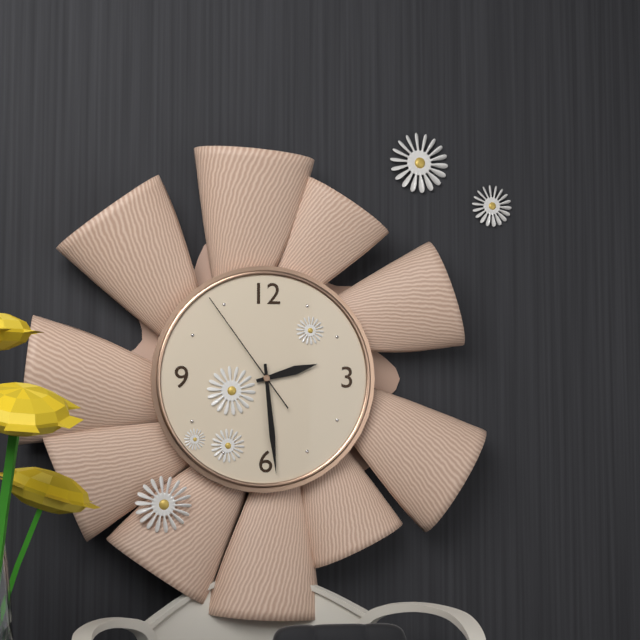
2:29:54
